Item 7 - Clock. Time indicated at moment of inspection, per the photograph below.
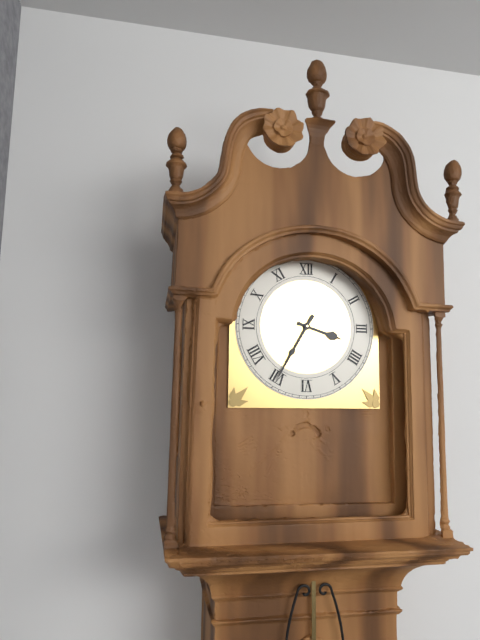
3:35
